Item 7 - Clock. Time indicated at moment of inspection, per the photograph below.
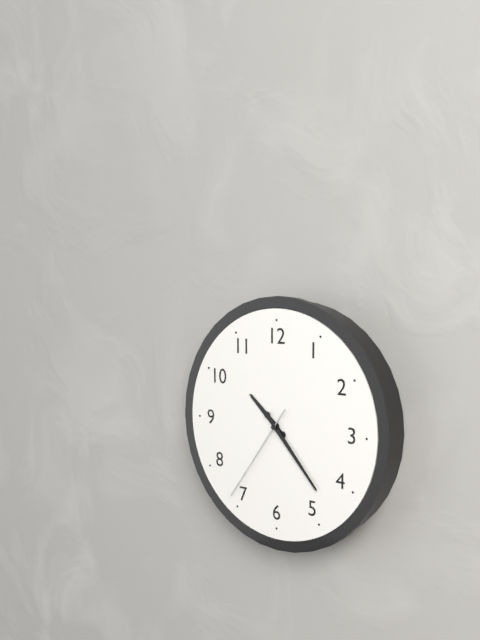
10:23:36
